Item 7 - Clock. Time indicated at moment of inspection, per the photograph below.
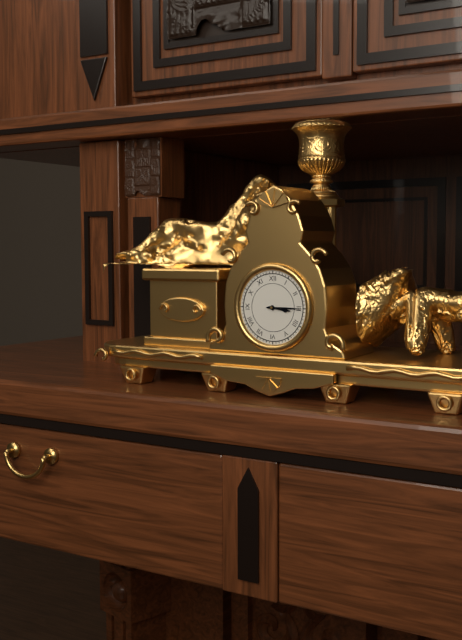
3:15
